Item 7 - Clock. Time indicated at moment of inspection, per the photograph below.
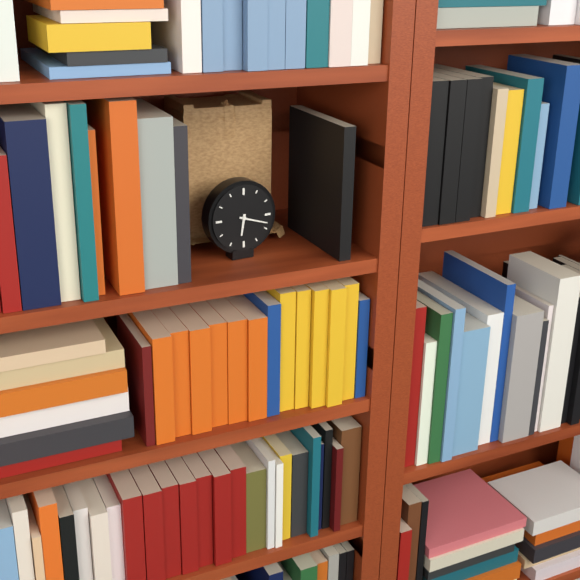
6:18
